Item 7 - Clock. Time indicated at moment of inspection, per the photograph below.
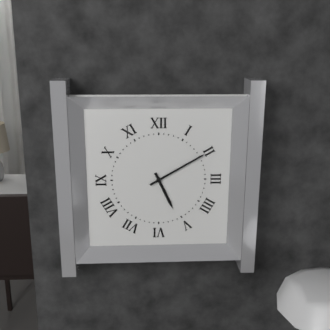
5:10
